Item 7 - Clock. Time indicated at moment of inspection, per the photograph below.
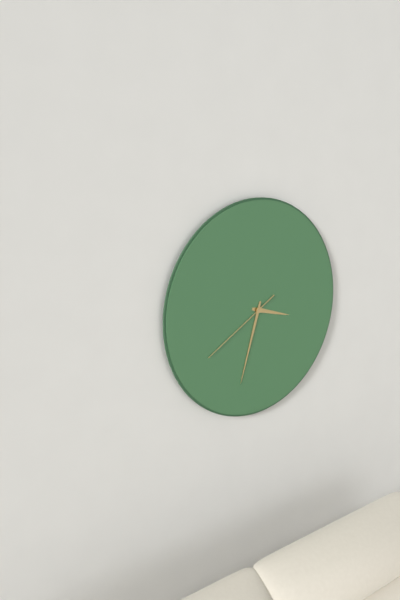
3:33:40
